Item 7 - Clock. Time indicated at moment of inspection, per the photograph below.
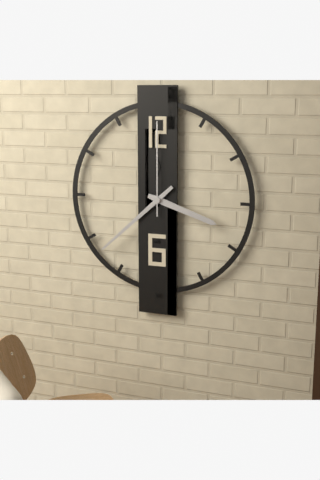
3:38:00
